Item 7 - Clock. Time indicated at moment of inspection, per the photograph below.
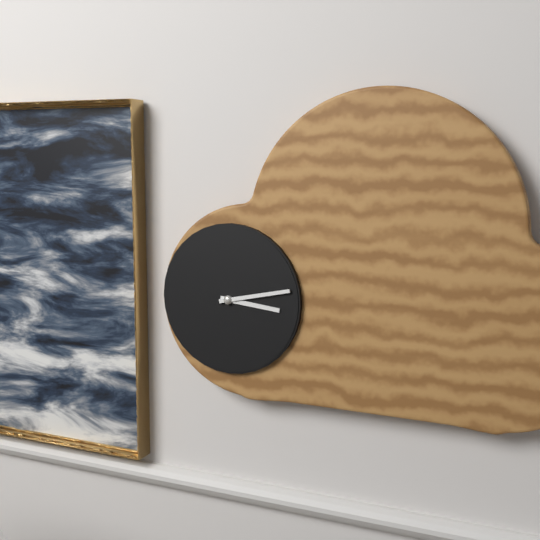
3:13
